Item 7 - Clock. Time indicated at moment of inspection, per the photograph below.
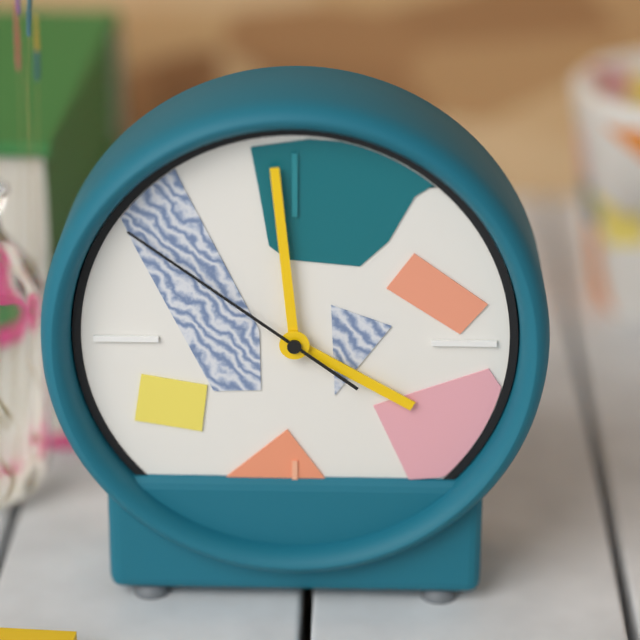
3:59:51
